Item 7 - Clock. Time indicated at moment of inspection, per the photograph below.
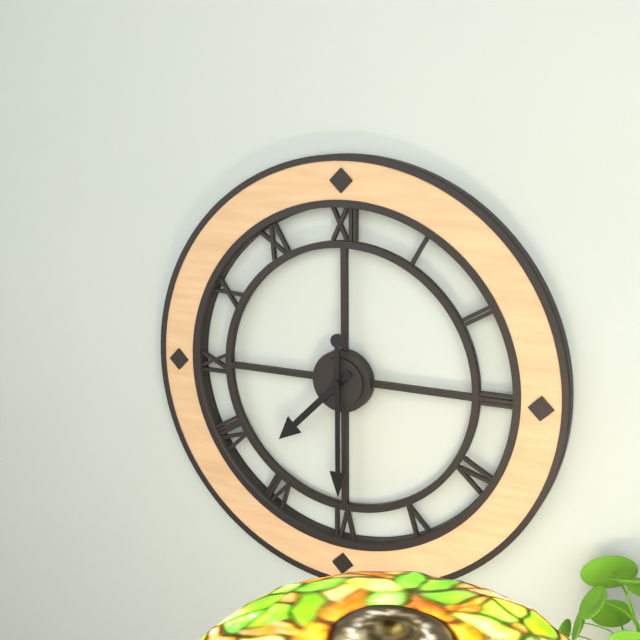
7:30
